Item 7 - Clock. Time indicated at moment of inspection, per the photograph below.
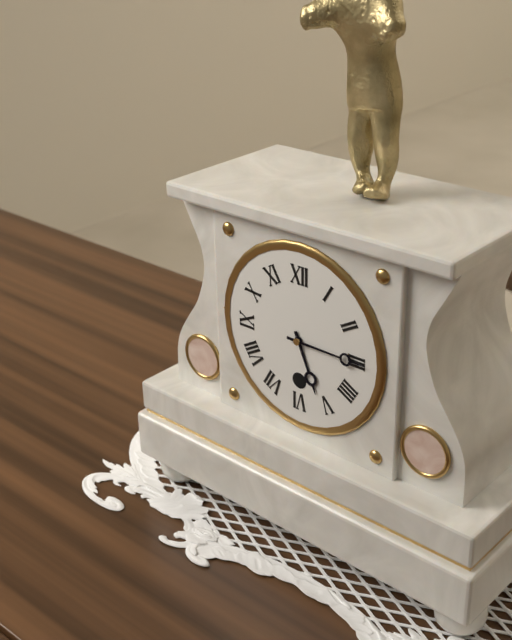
5:15
